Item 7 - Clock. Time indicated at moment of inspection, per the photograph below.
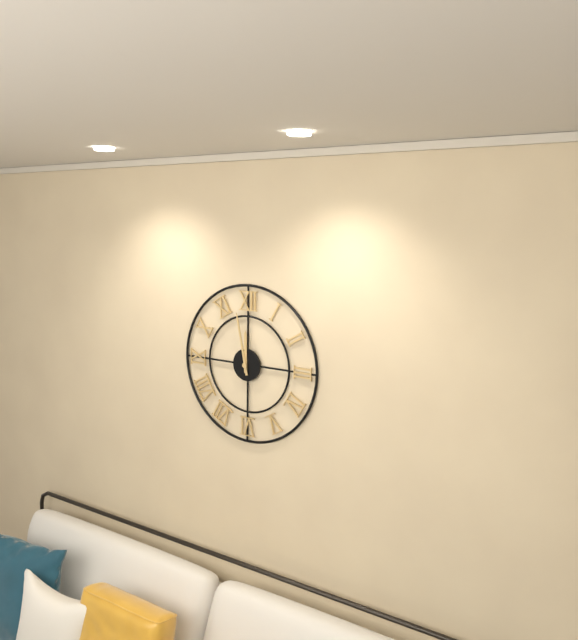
11:58
